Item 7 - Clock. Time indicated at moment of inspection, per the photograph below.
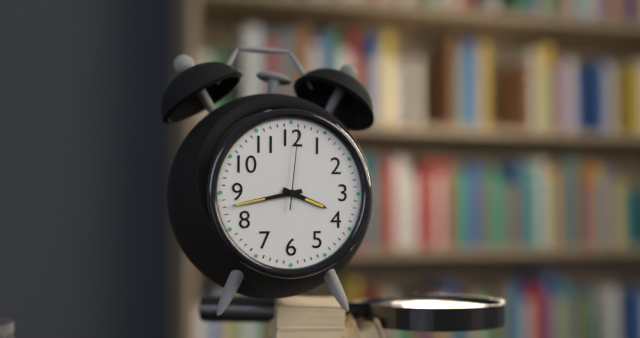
3:43:01
